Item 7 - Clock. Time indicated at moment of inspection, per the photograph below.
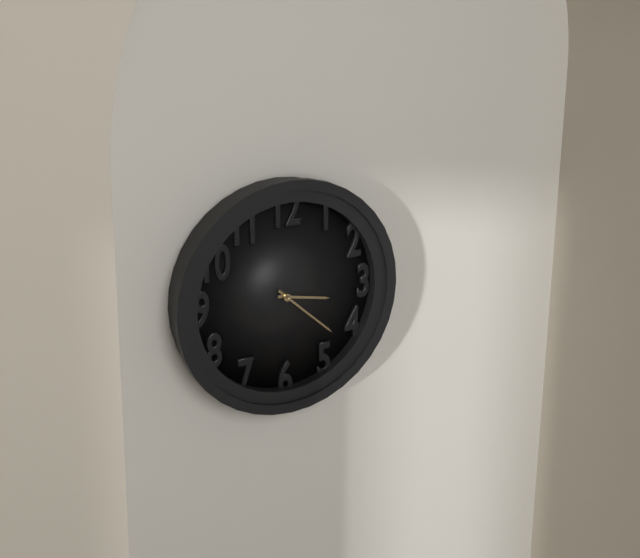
3:22
